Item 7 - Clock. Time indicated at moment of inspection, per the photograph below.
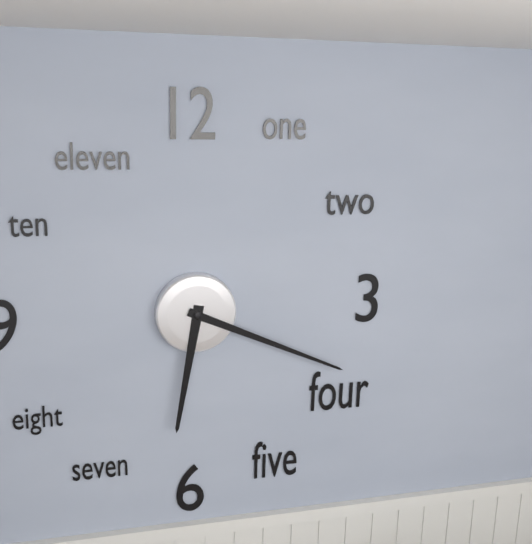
6:19
